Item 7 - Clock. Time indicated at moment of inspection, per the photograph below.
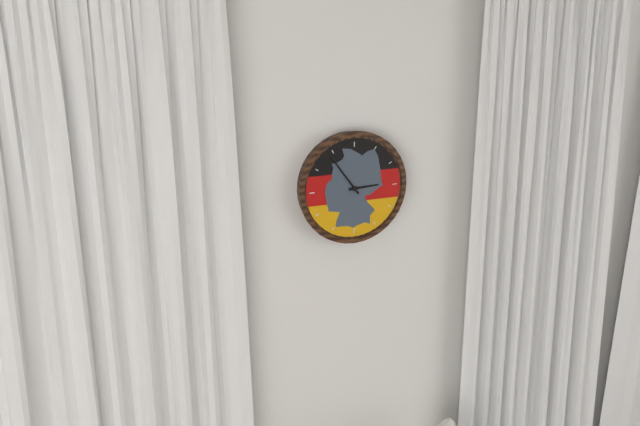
2:54
